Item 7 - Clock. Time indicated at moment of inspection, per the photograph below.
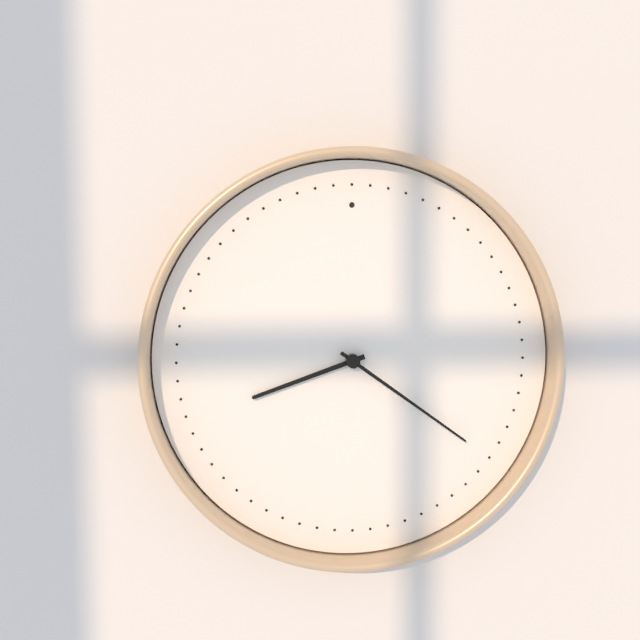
8:21
